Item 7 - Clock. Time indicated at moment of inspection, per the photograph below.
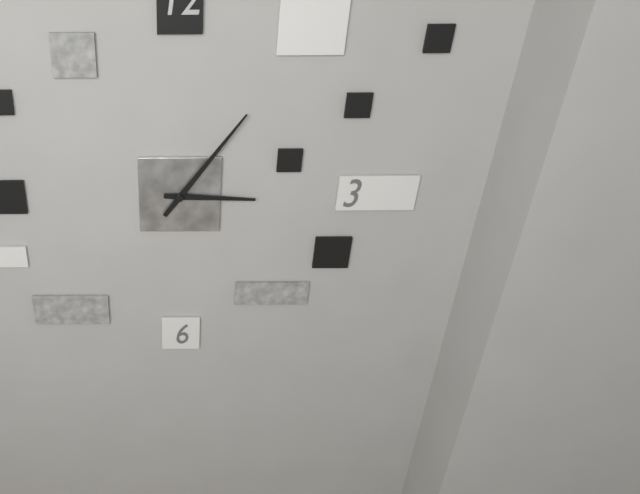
3:06
